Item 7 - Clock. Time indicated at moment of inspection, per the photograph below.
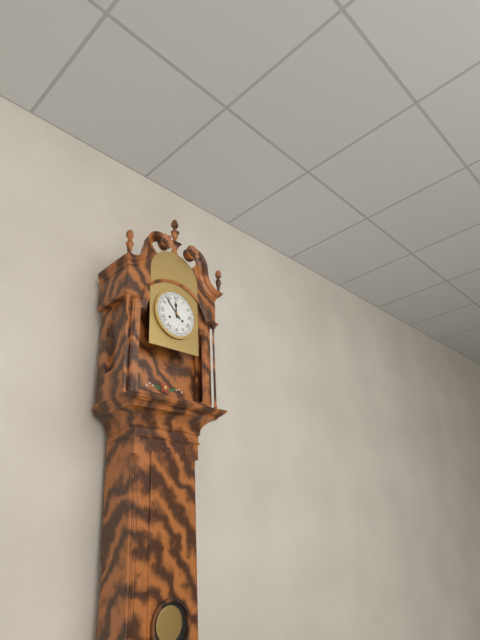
11:53
